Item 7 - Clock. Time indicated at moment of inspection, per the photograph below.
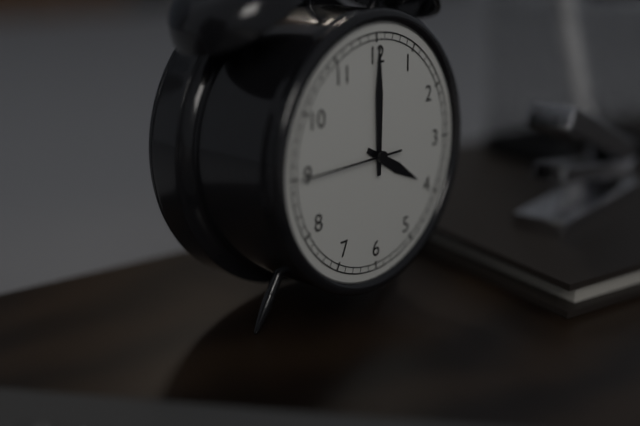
4:00:45
